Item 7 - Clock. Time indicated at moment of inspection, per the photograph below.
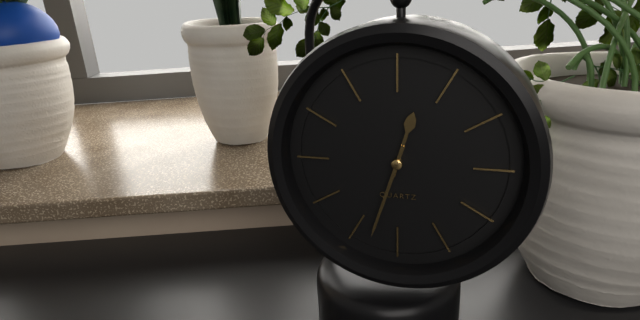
12:33
